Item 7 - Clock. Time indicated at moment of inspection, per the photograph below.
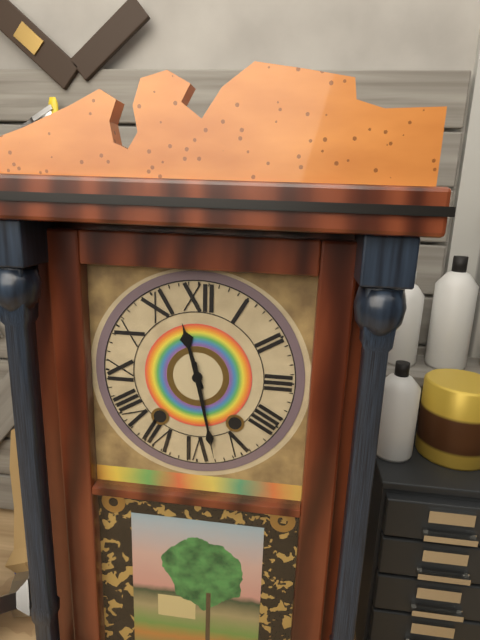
11:28
